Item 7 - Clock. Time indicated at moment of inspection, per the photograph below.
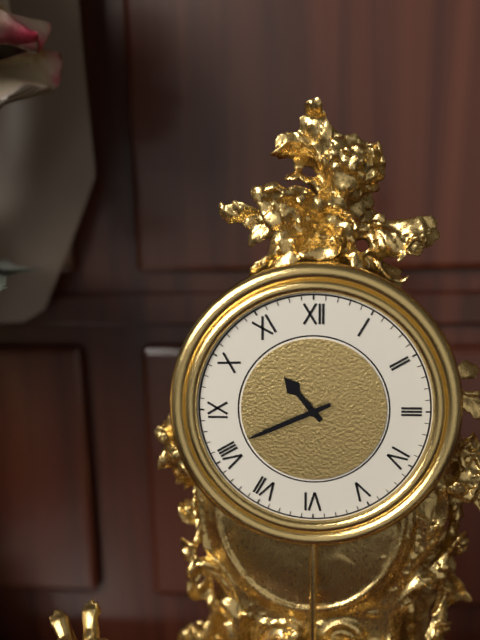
10:41
